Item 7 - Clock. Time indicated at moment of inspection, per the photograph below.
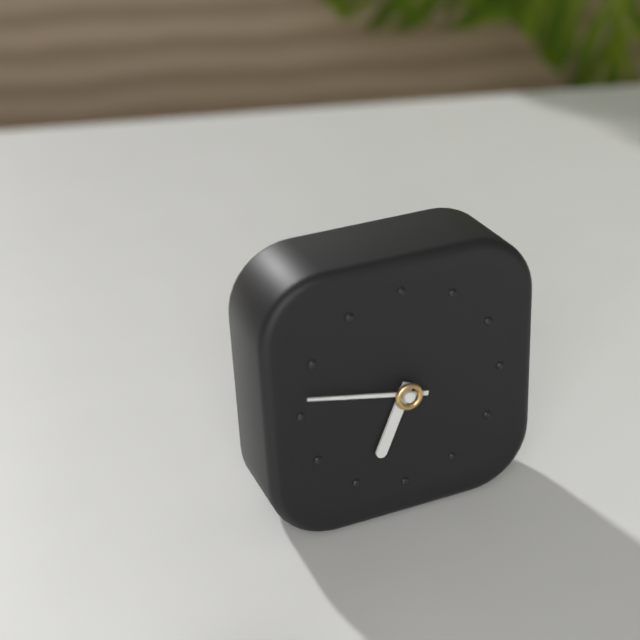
6:47
